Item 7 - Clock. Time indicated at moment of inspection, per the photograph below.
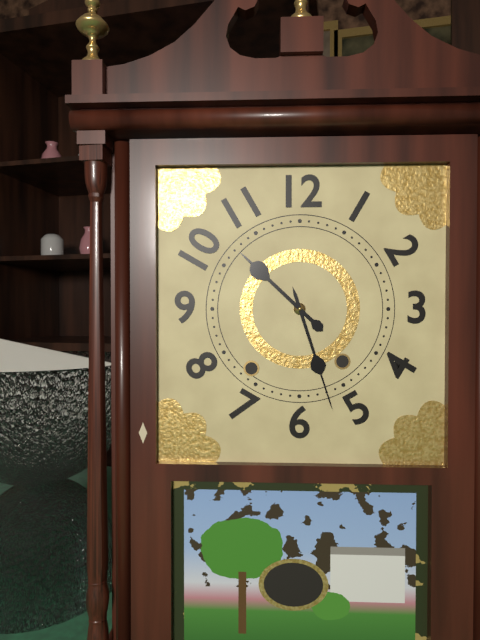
10:27
